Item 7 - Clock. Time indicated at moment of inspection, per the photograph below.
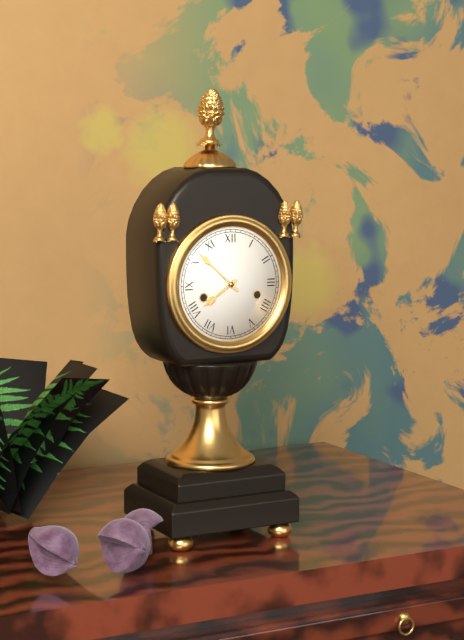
7:52
